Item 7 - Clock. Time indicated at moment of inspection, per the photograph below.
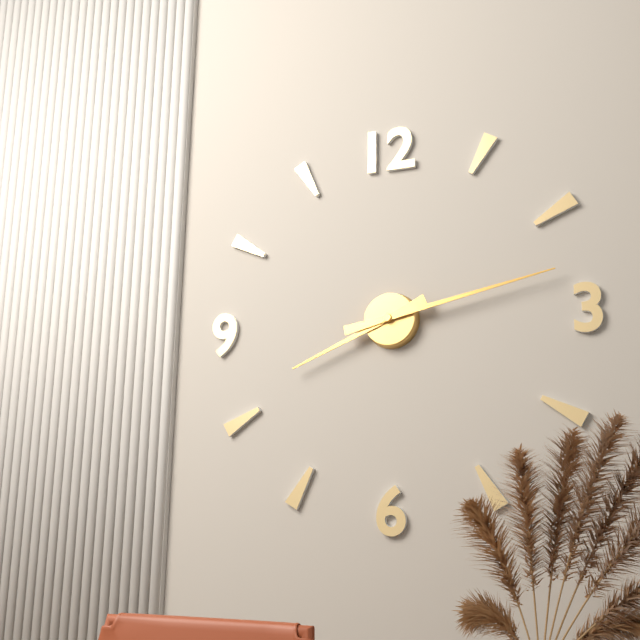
8:13
